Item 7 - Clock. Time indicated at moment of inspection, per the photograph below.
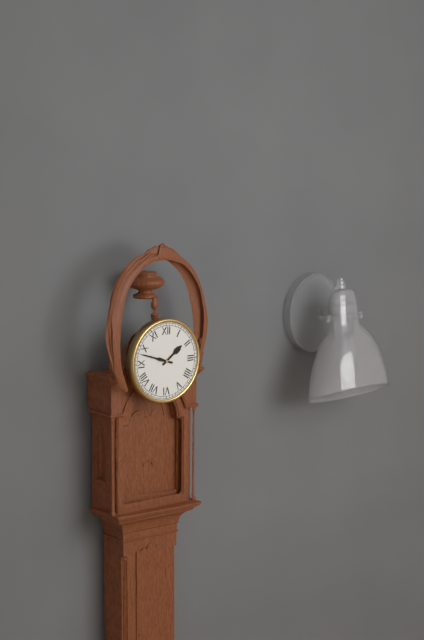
1:48
